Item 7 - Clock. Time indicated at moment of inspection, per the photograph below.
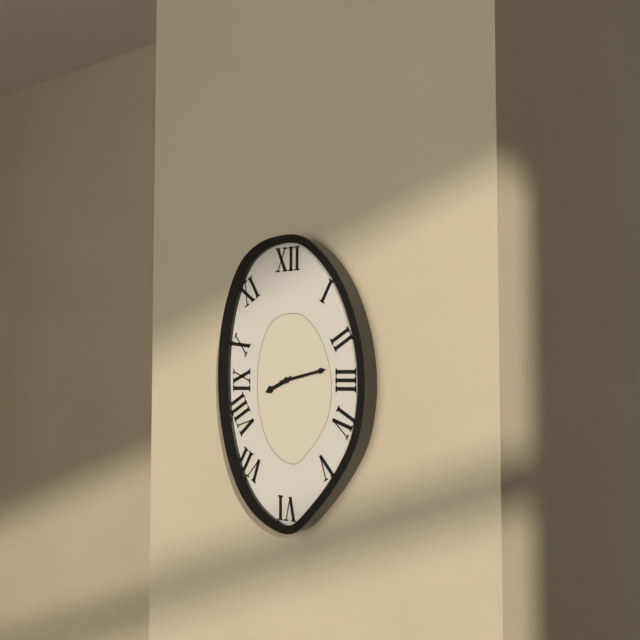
8:13
